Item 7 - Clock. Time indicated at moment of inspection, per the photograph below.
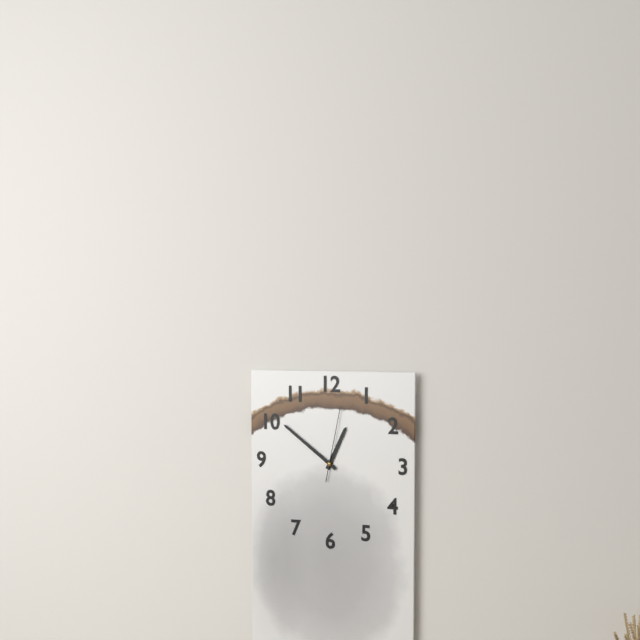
12:51:02
